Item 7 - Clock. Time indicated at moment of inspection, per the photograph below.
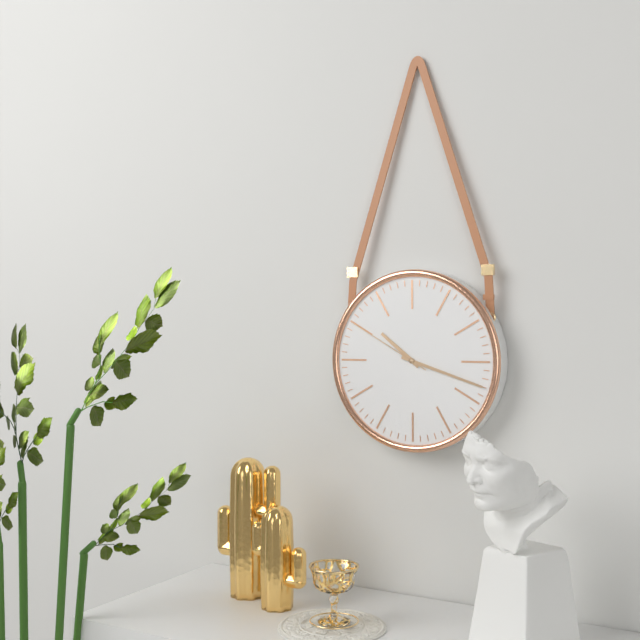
10:18:50
